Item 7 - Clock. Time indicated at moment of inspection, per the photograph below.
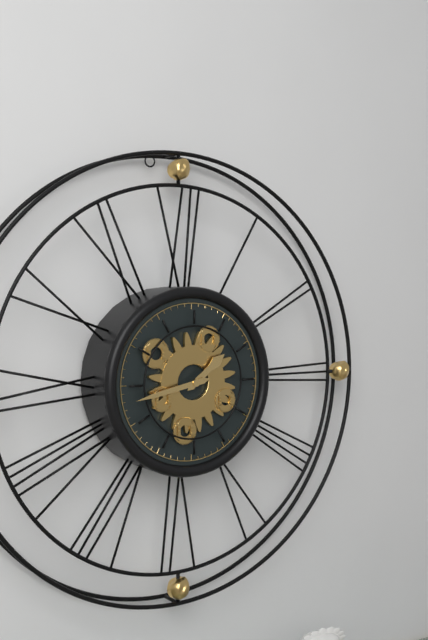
1:43
